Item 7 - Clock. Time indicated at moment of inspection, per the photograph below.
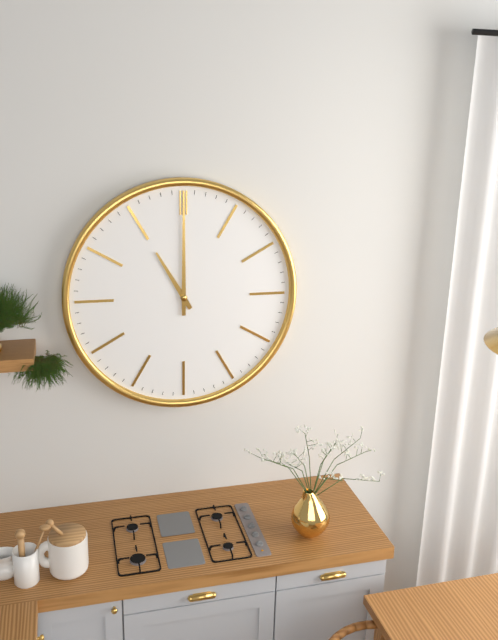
11:00
